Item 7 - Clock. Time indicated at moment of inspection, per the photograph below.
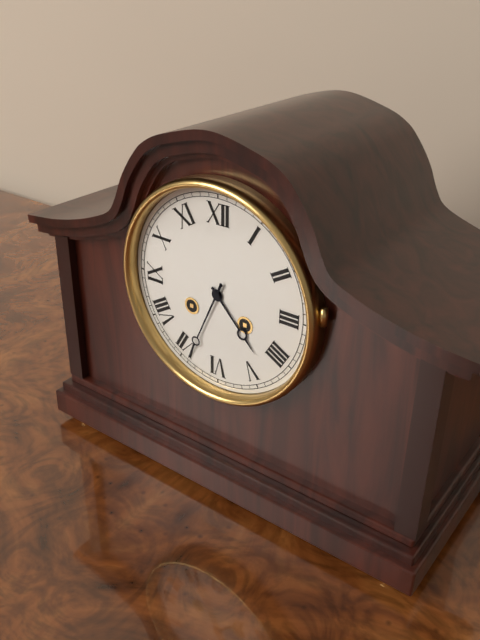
4:34
